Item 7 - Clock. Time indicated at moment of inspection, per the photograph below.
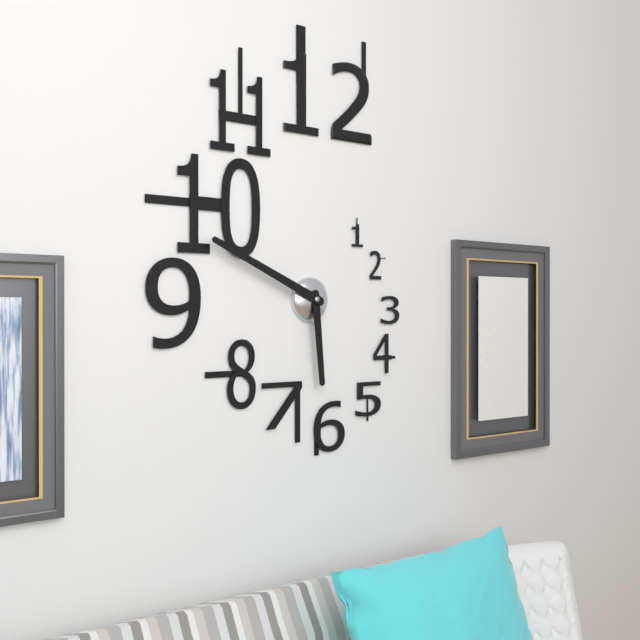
5:49
